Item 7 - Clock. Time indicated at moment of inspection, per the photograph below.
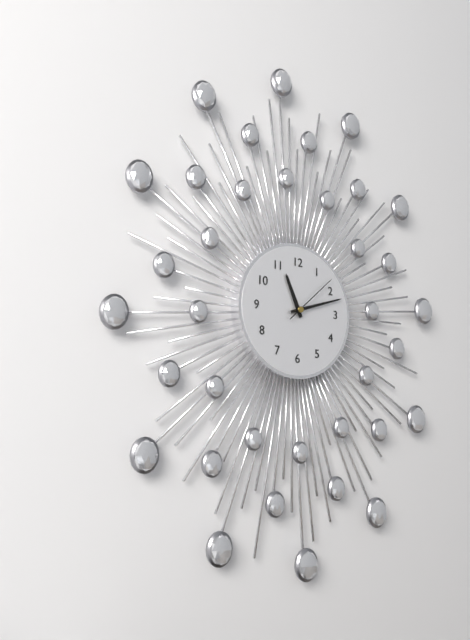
11:12:08
